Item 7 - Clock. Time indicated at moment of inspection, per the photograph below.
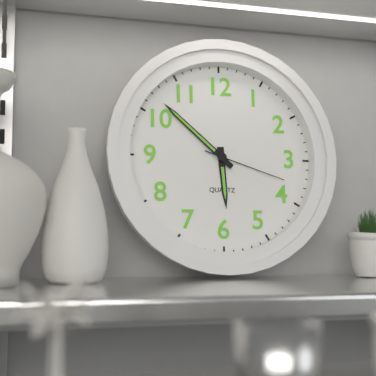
5:52:18
